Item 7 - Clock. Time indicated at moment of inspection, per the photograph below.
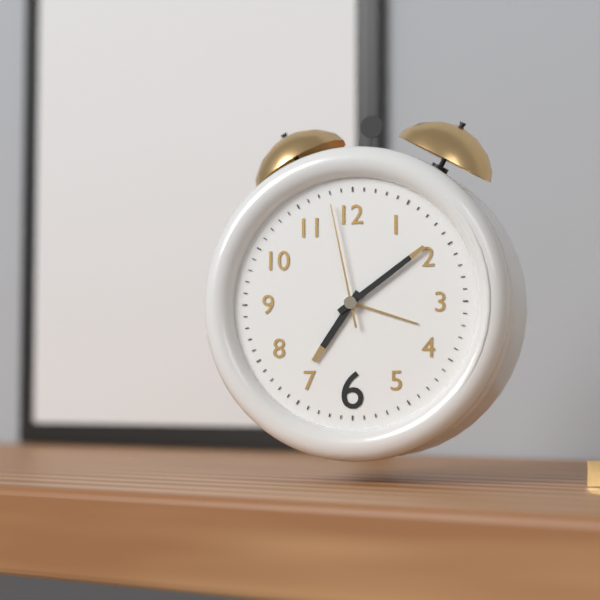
7:09:58
